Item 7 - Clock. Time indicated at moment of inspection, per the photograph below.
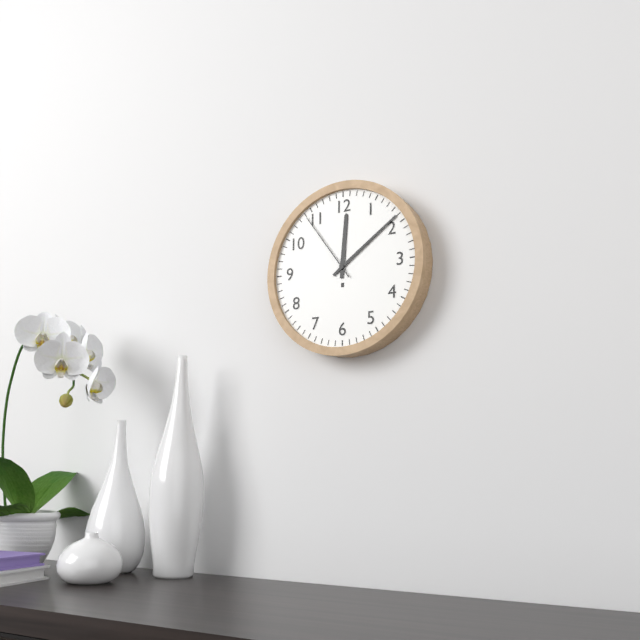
12:09:54
